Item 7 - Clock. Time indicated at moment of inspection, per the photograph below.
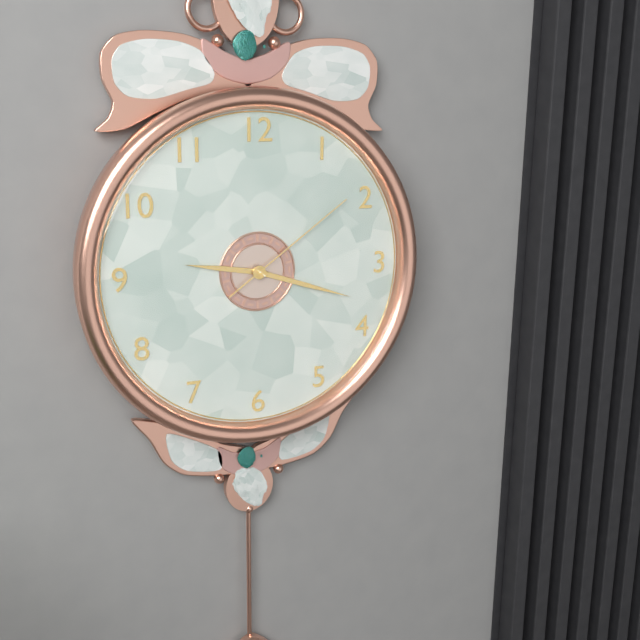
9:18:09
